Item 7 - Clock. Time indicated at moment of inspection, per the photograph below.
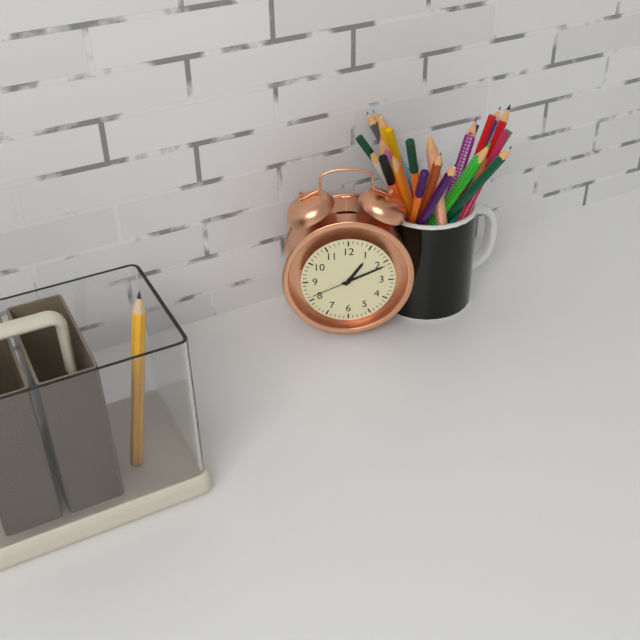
1:11:41
